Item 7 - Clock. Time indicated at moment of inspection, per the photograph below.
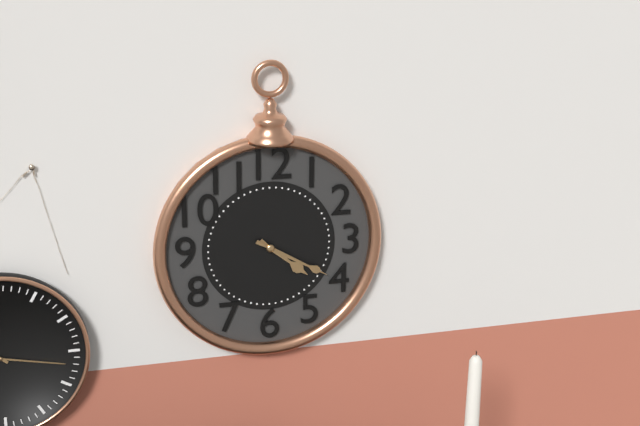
4:20
